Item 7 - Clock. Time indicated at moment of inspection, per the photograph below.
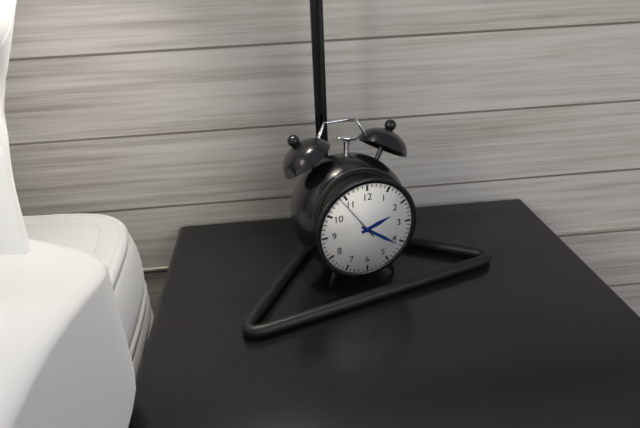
2:21
